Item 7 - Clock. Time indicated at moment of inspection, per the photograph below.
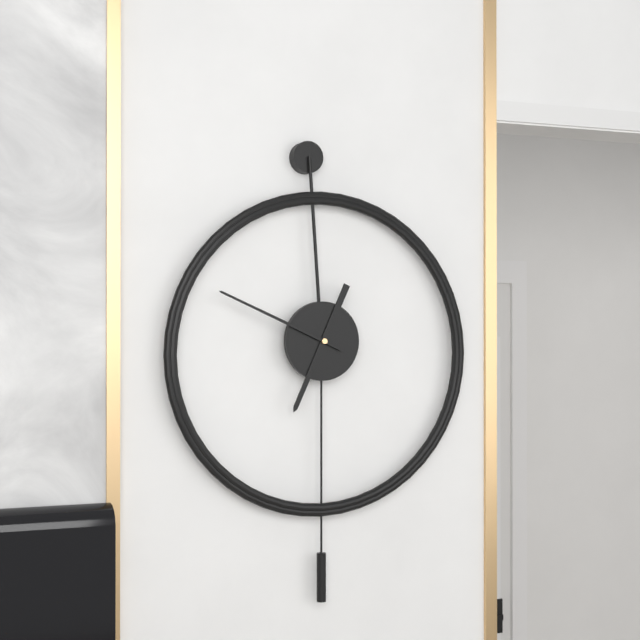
6:49
